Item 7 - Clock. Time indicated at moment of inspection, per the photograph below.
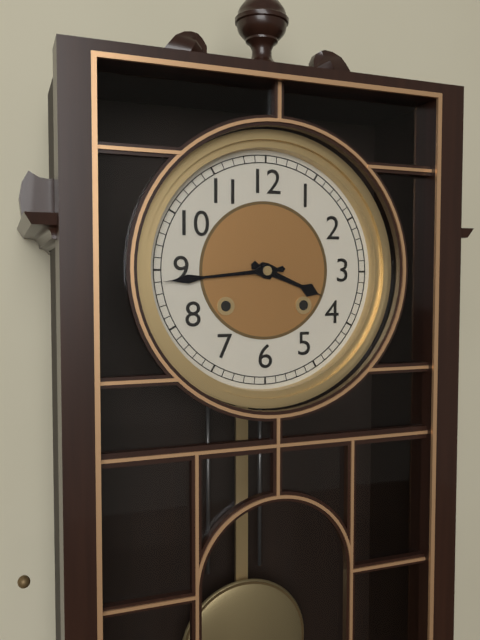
3:44
